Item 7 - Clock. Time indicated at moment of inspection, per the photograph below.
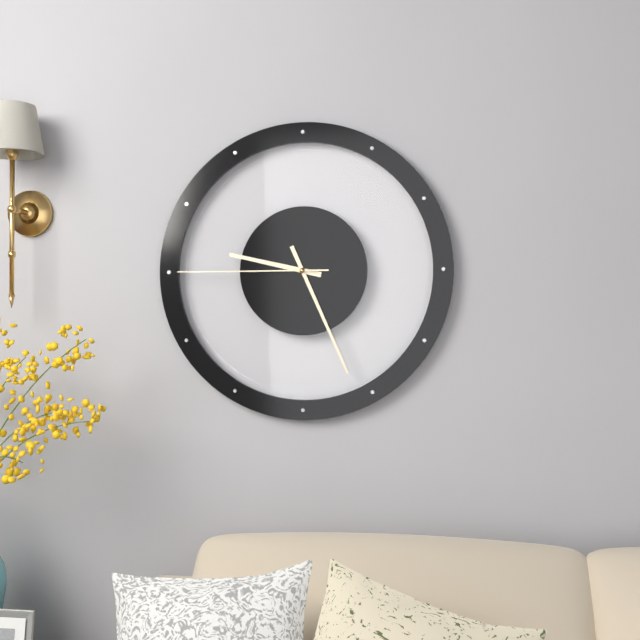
9:26:45
